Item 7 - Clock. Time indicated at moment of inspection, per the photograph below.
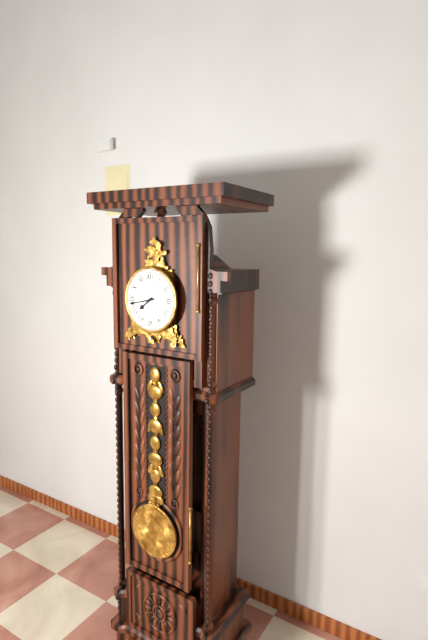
7:43
